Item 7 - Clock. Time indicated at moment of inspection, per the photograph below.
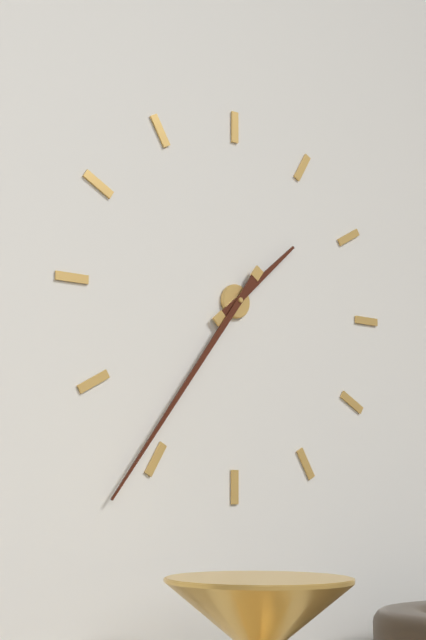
1:36
